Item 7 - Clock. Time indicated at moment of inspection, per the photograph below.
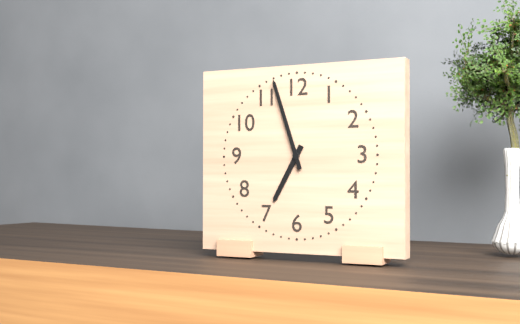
6:57
